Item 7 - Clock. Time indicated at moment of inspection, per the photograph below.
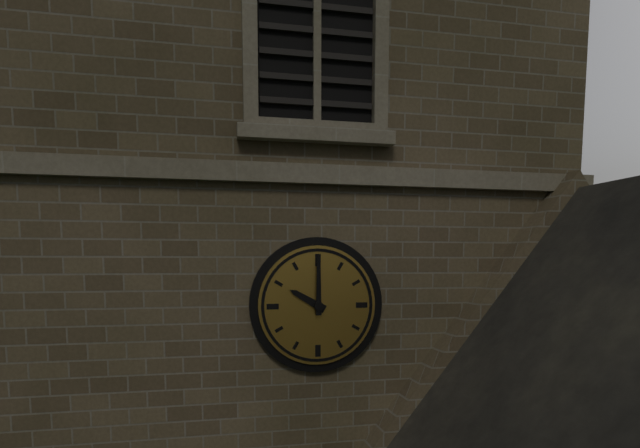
10:00
